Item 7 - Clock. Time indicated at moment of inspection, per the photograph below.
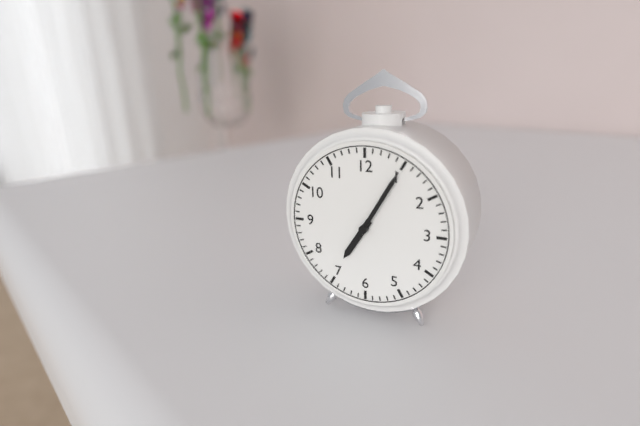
7:05
